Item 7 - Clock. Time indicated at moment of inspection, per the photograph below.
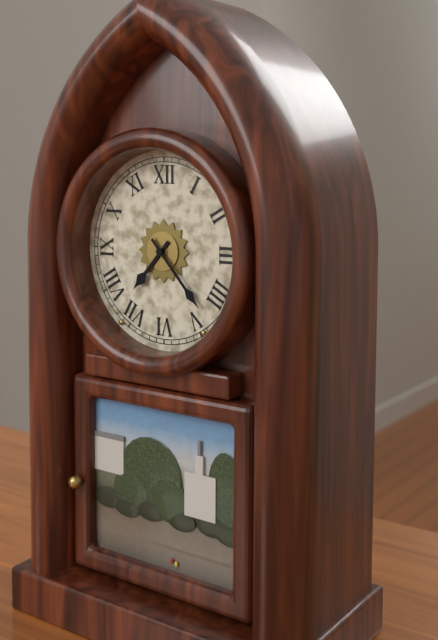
7:23
